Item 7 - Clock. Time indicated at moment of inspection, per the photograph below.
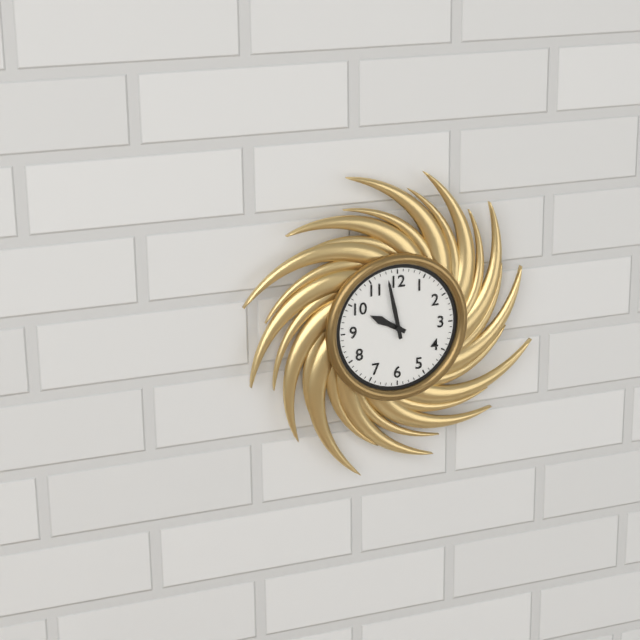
9:58
